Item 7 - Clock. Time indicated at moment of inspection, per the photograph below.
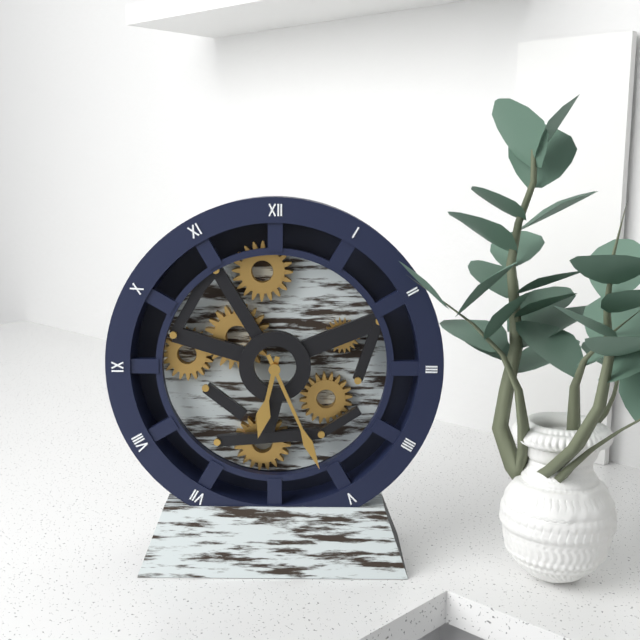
6:26
